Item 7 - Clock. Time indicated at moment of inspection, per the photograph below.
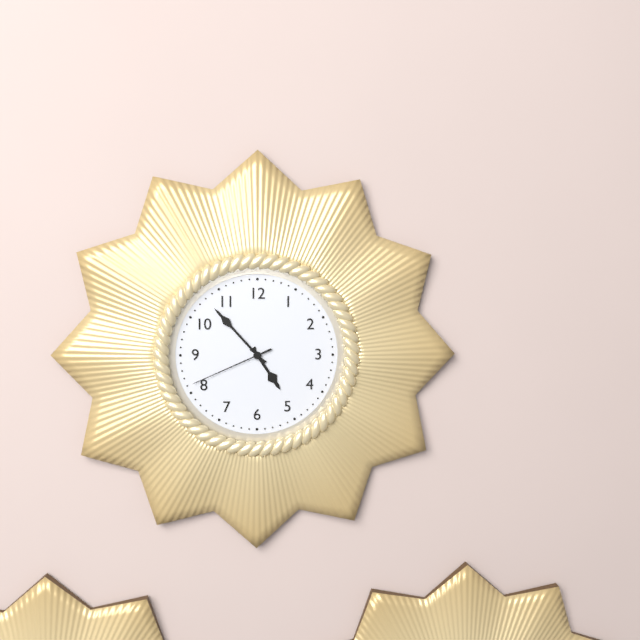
4:53:41
